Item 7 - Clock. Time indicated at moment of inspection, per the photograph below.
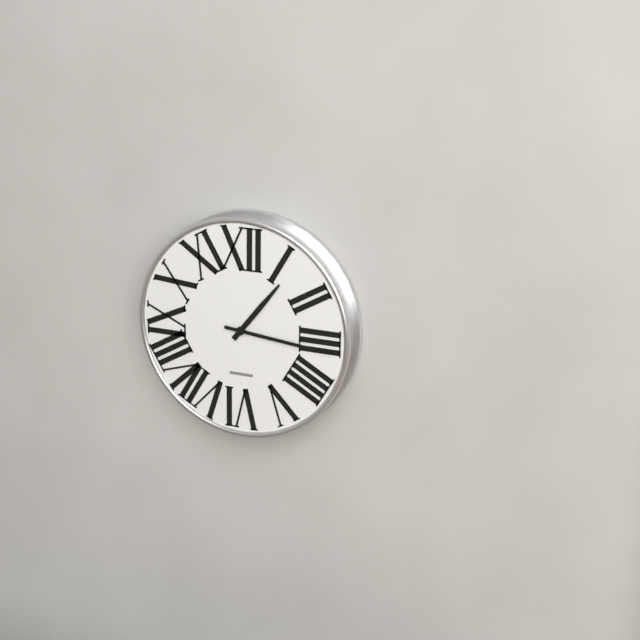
1:16
